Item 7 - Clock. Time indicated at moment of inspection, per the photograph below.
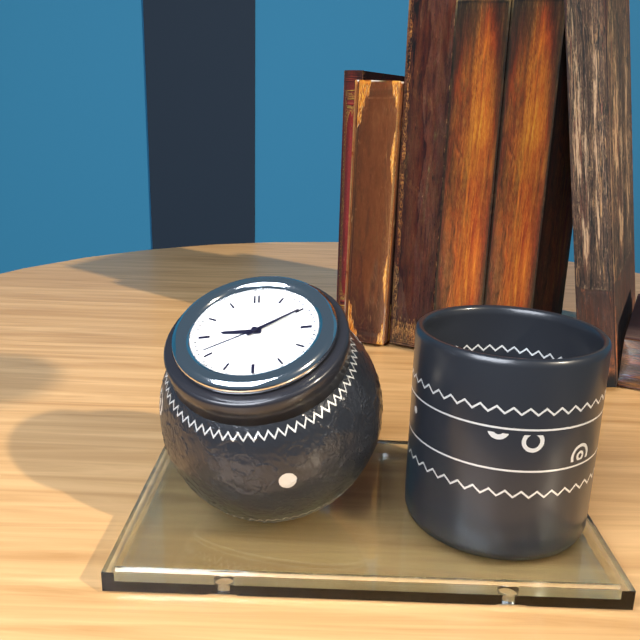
9:10:41
